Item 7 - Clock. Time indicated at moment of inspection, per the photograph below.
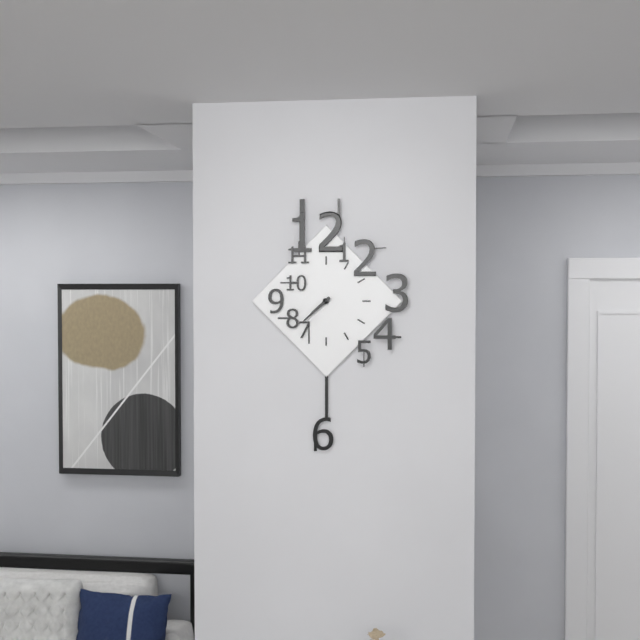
7:38
